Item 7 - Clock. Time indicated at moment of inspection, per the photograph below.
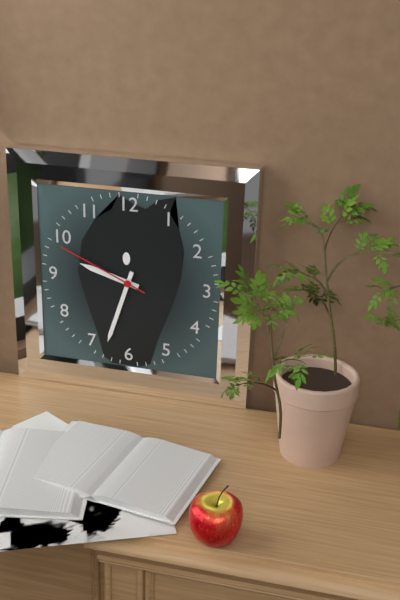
9:33:49
